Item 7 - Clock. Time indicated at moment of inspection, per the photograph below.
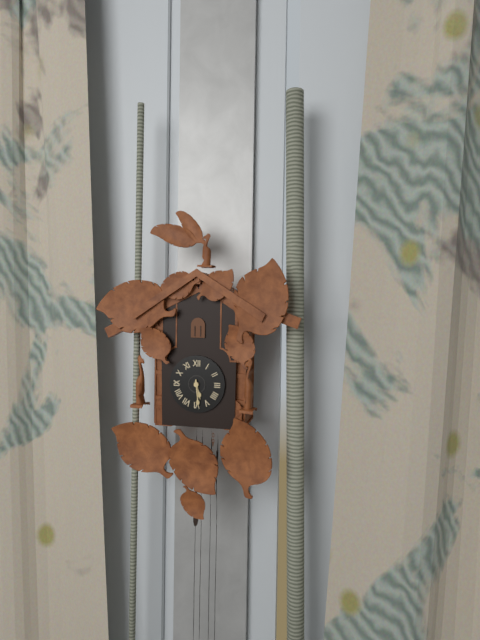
5:29
